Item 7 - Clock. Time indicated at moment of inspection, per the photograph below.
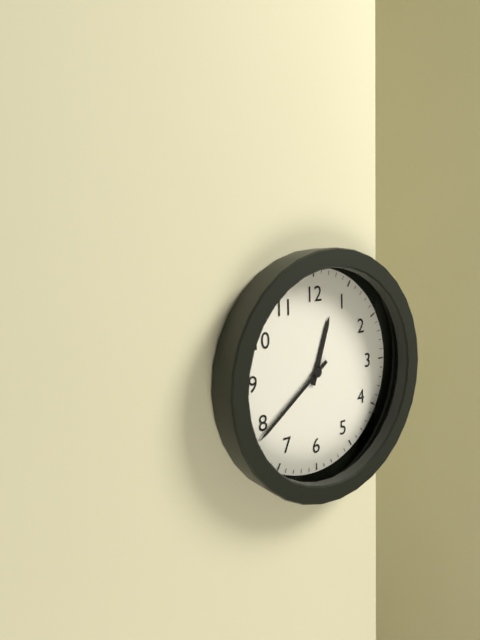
12:39
